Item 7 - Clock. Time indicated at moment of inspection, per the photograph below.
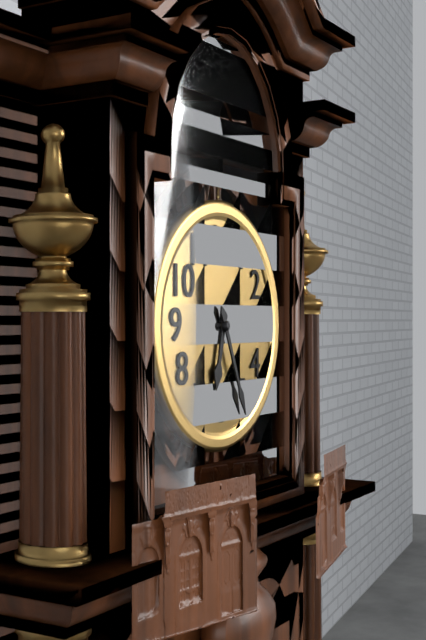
6:26
